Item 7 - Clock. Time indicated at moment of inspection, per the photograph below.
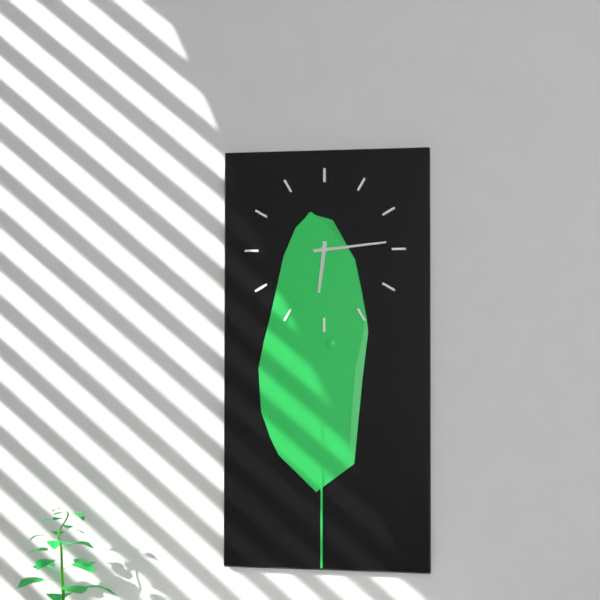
6:14
